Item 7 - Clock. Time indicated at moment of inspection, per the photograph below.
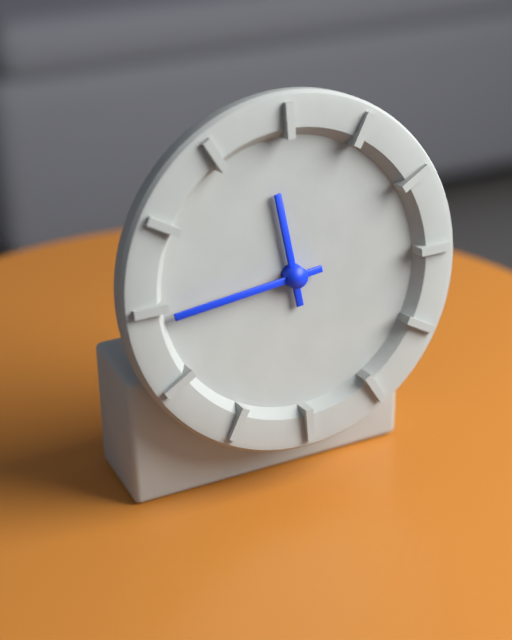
11:44
